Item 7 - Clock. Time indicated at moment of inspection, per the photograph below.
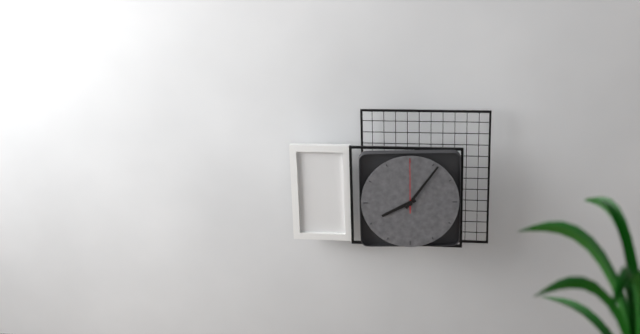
8:06:00
